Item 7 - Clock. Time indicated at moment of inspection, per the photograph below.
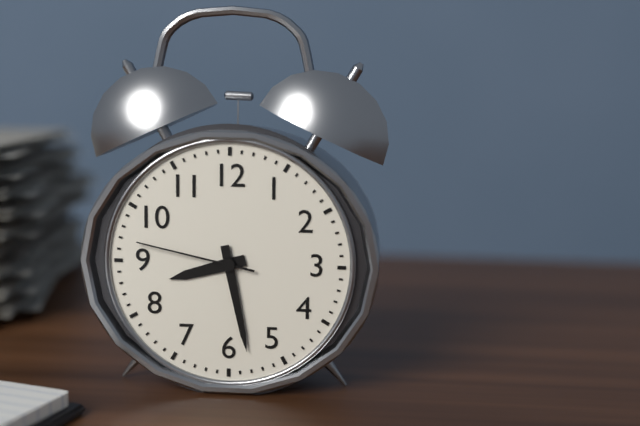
8:28:47
